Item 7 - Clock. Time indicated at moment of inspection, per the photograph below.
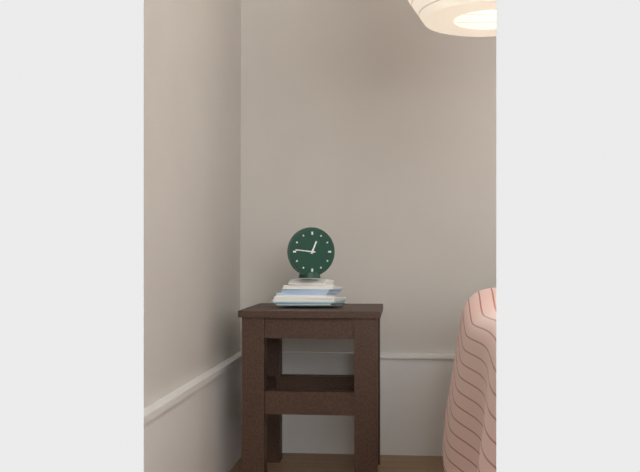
12:46
